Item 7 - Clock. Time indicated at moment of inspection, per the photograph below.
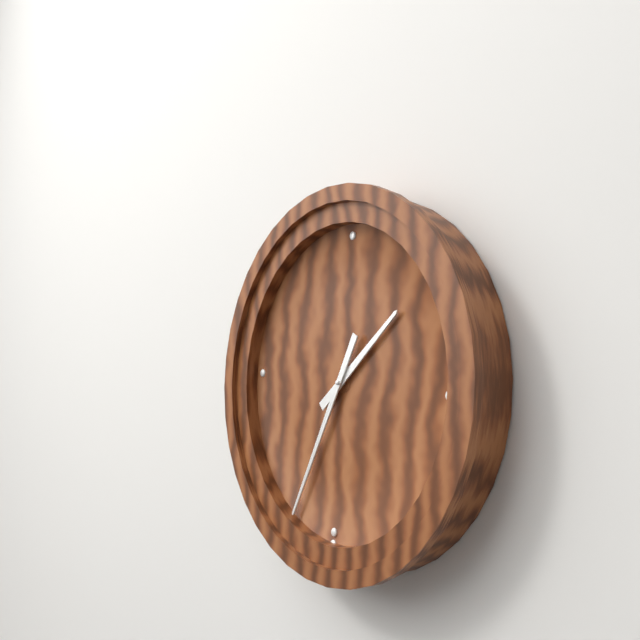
1:34
